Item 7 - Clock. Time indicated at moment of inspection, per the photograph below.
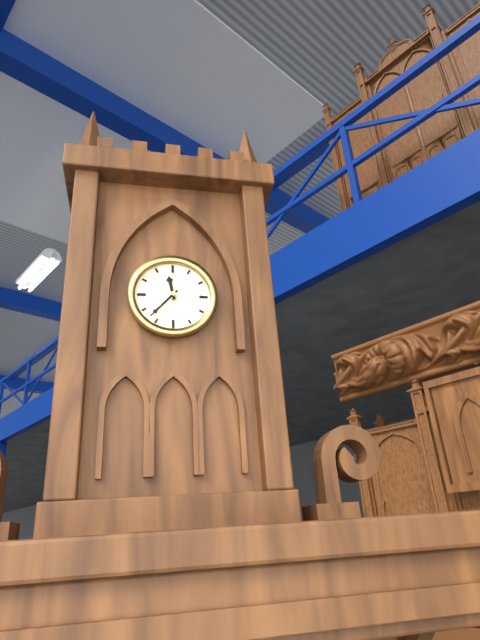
11:37
